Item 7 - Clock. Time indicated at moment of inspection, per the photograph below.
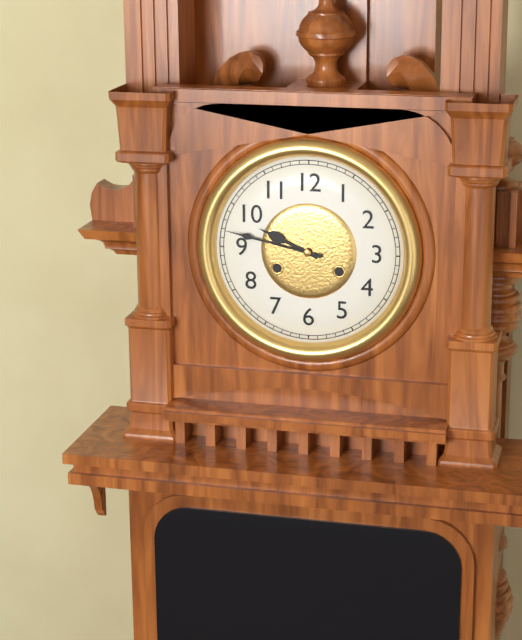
9:47
